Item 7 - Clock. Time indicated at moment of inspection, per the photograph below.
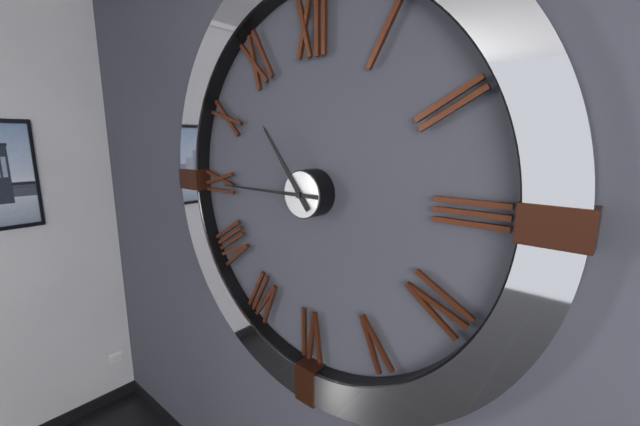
10:45
